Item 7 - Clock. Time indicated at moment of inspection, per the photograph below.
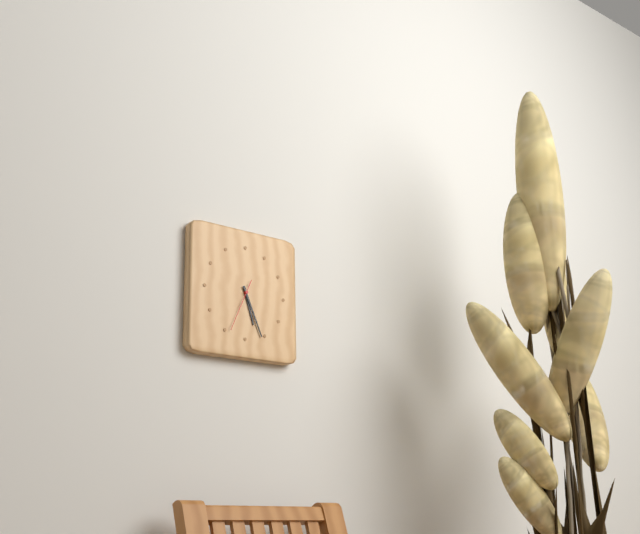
5:26:34
